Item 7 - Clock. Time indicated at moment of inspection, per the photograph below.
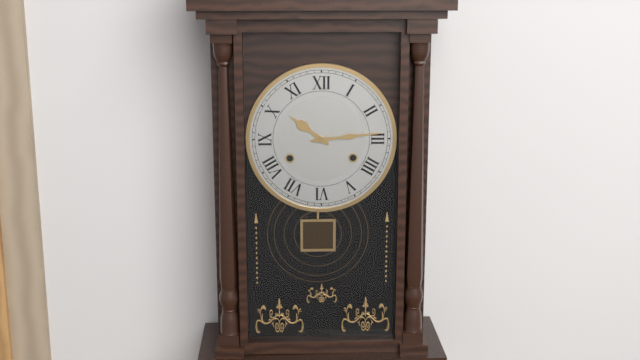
10:14
